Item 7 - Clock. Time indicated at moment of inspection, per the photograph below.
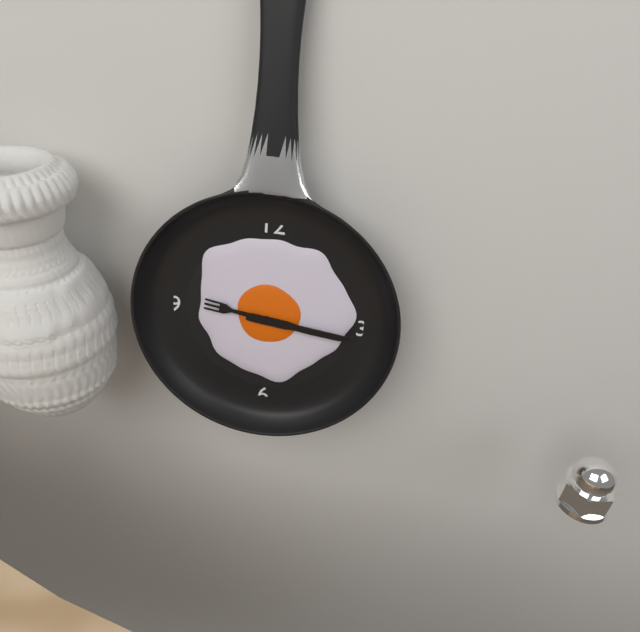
9:16
